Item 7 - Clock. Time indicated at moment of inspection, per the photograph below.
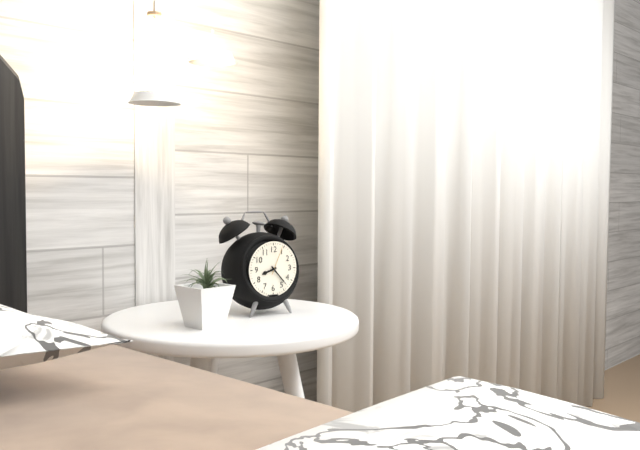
8:23
